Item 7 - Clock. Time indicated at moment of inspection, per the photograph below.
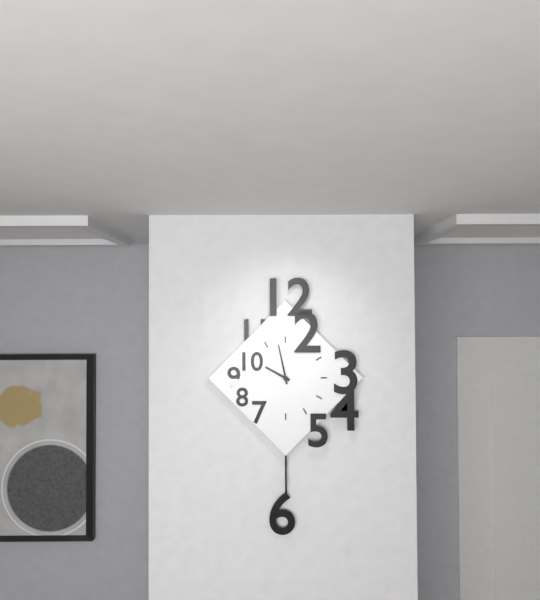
9:58
